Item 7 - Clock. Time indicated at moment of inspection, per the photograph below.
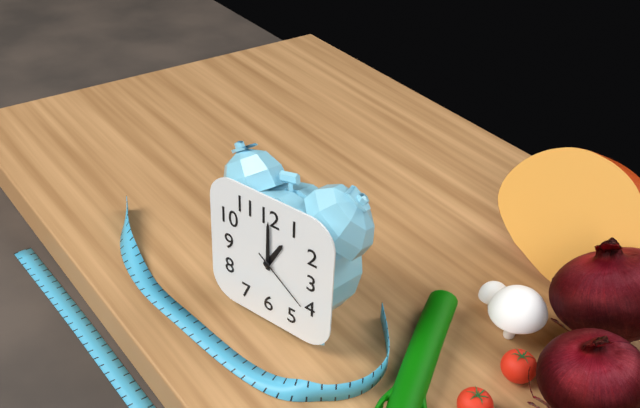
1:00:21
